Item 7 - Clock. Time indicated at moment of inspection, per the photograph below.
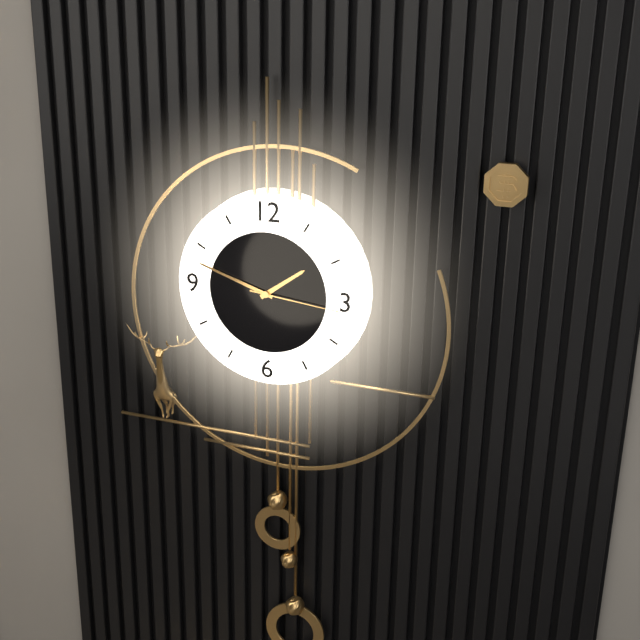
1:48:16
